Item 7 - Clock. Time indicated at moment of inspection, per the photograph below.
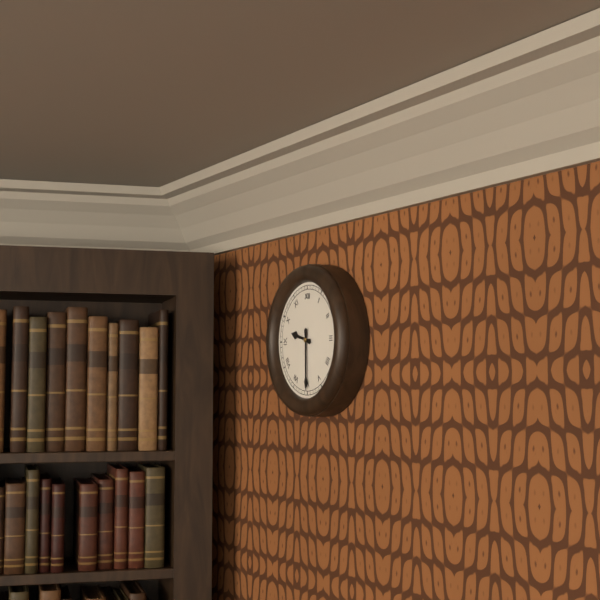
9:30
